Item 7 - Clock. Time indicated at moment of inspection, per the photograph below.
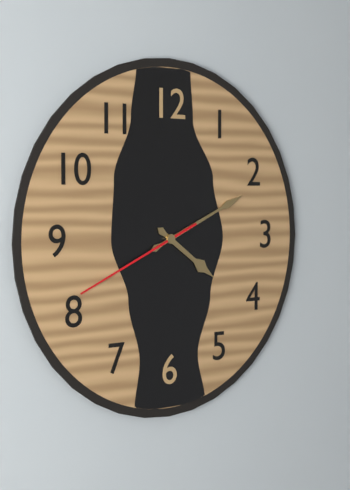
4:11:41
